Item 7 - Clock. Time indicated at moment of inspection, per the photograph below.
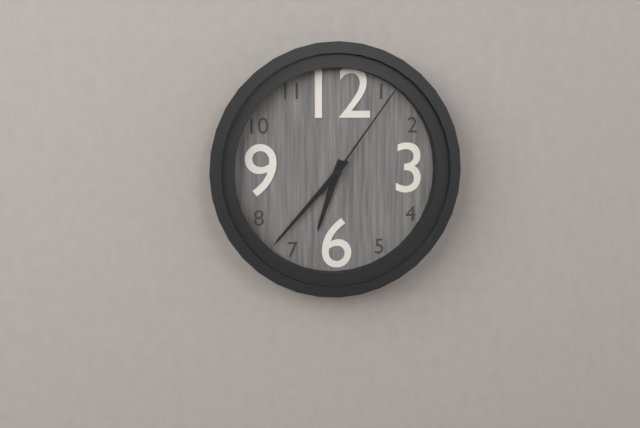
6:37:06
